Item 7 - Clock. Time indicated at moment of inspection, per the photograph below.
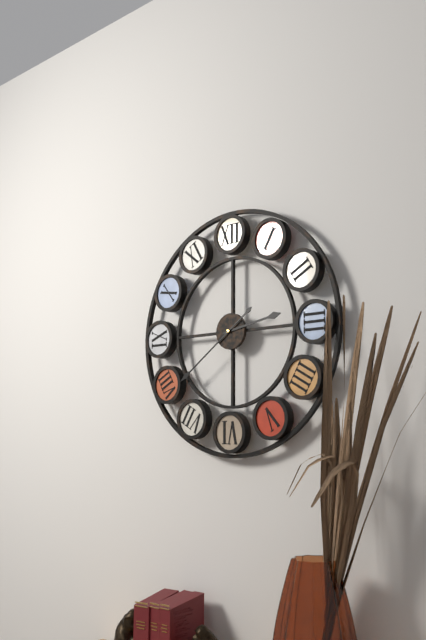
2:39
